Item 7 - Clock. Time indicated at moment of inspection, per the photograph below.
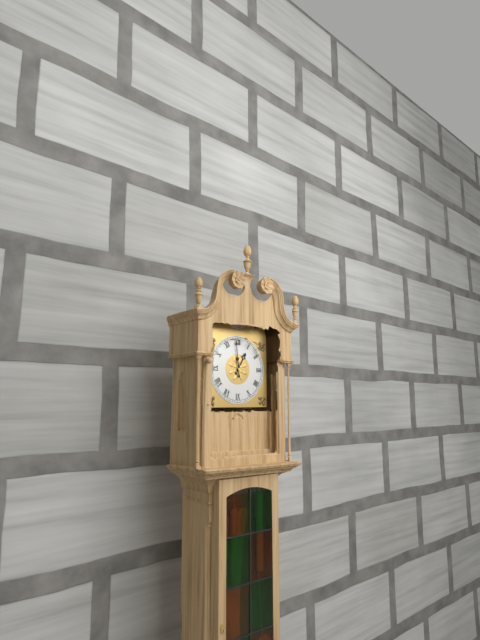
12:59
